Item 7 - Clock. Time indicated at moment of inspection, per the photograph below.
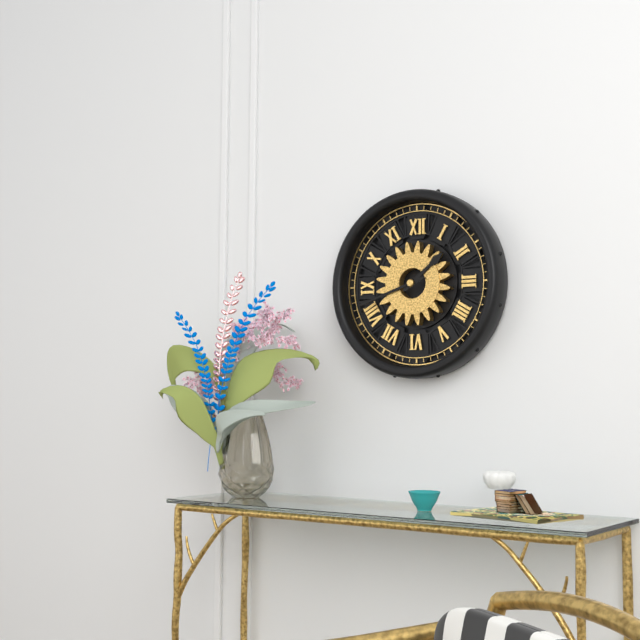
1:42
